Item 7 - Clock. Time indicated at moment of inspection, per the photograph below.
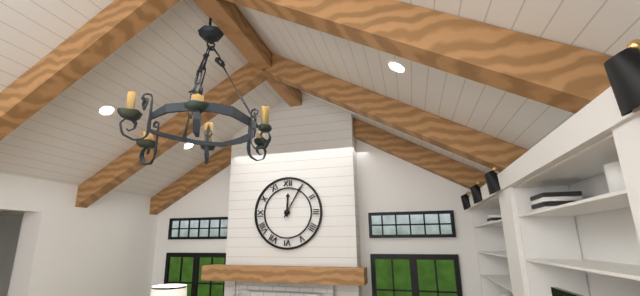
12:05
